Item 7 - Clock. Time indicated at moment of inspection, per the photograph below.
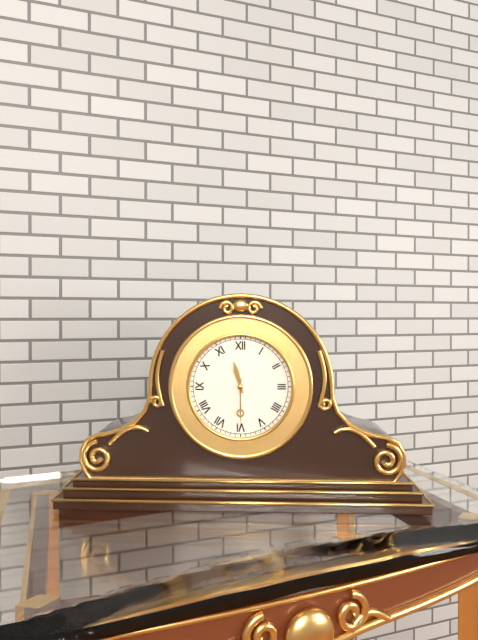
11:30
